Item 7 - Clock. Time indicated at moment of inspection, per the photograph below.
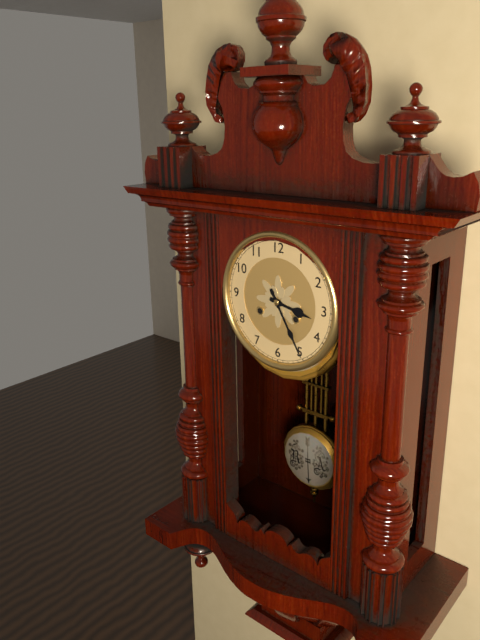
3:25
